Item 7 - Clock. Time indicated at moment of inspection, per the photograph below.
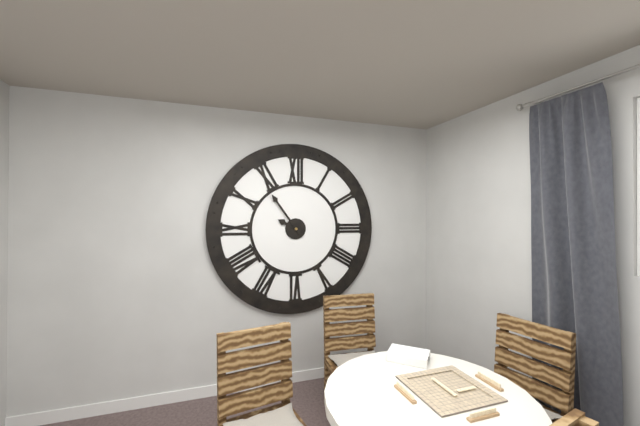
9:54
